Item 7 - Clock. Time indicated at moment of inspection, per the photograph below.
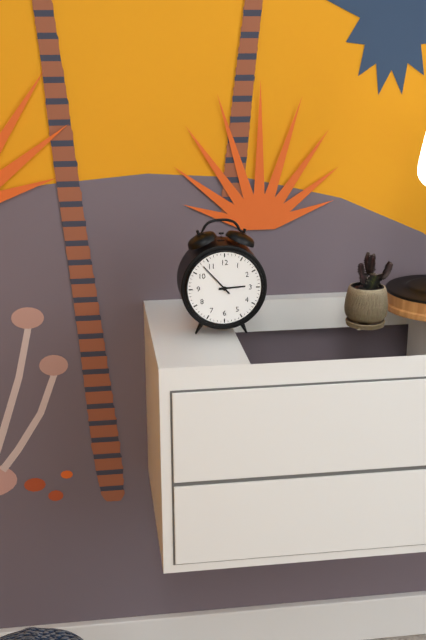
2:53
